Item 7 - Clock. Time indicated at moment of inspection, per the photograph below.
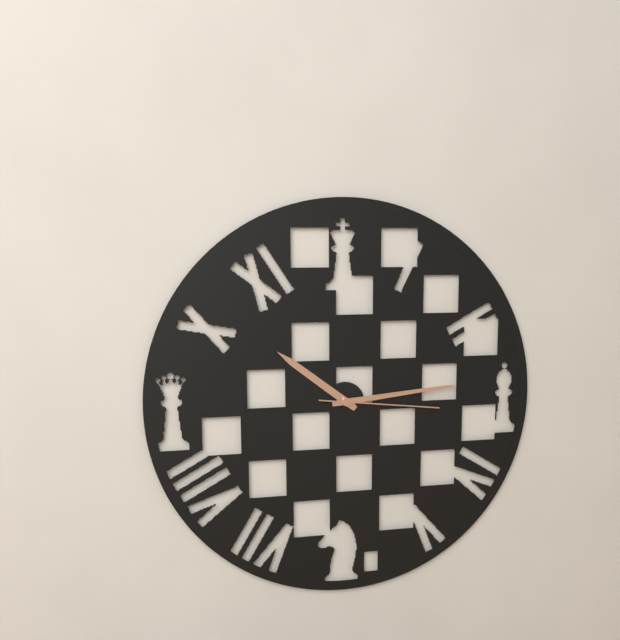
10:14:16
